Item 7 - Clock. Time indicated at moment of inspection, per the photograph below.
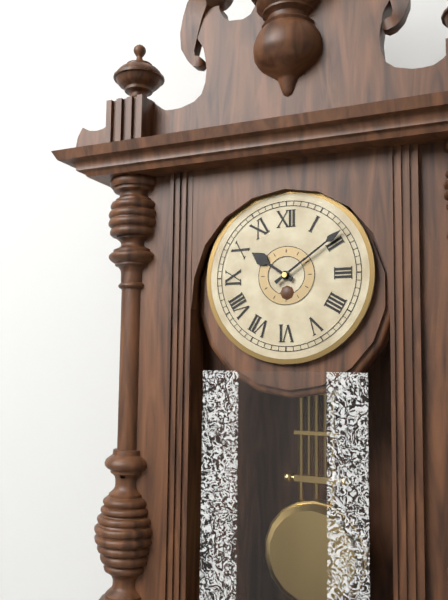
10:09
